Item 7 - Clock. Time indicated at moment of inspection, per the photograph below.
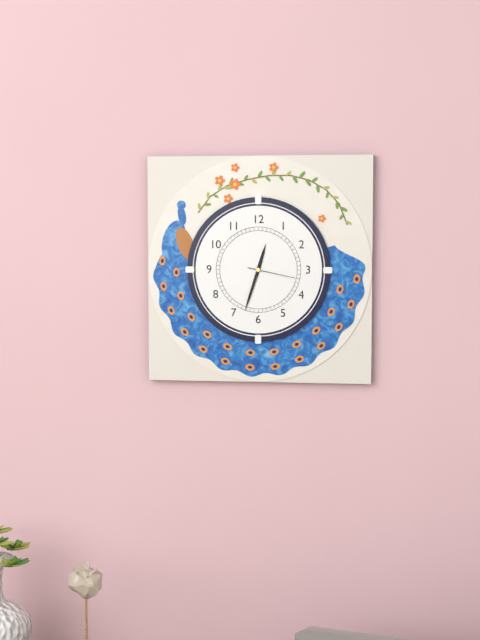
12:33
